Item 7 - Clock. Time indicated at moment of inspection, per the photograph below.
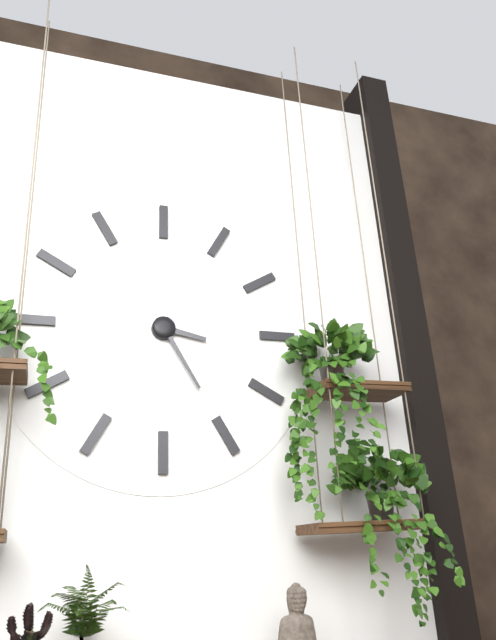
3:25
